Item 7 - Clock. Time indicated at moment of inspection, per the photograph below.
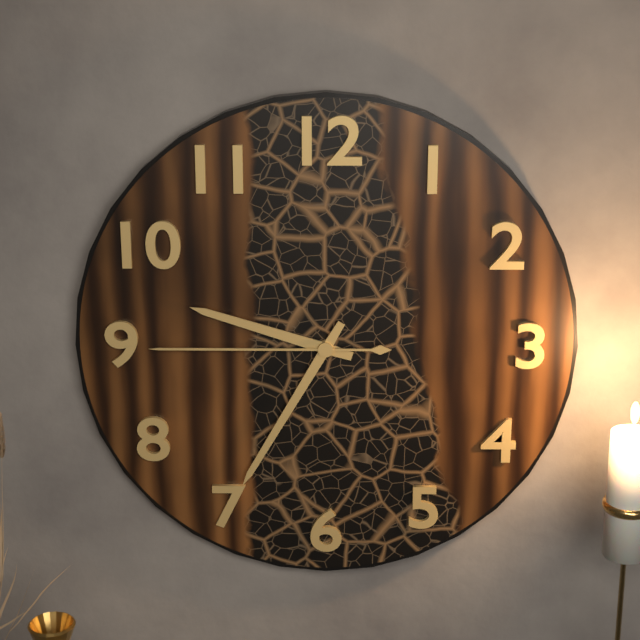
9:35:45
